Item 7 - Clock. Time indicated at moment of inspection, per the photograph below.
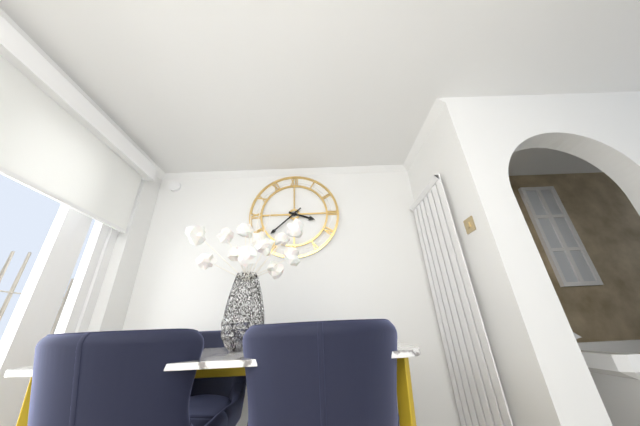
3:38
